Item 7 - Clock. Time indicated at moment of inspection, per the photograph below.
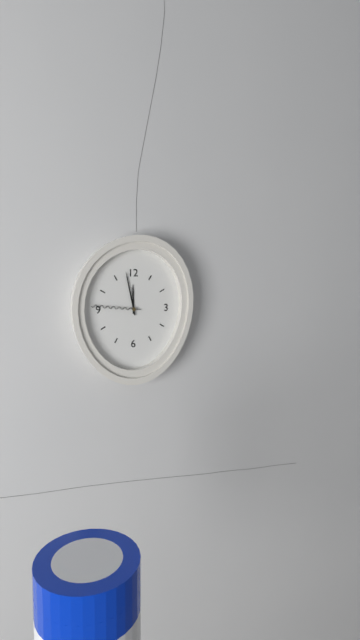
11:58:46
